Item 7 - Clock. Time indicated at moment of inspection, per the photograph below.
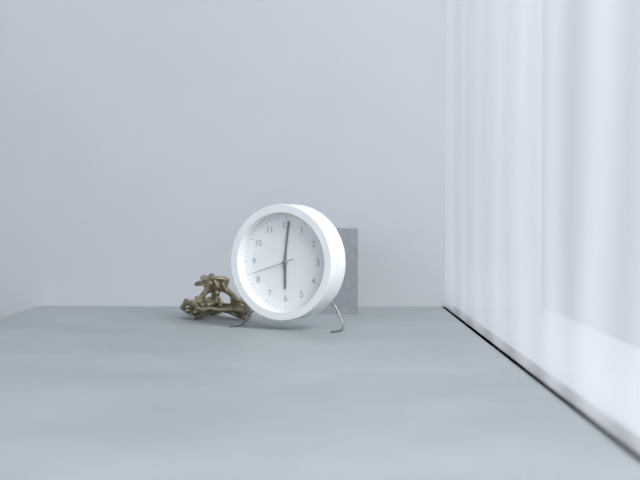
6:01
